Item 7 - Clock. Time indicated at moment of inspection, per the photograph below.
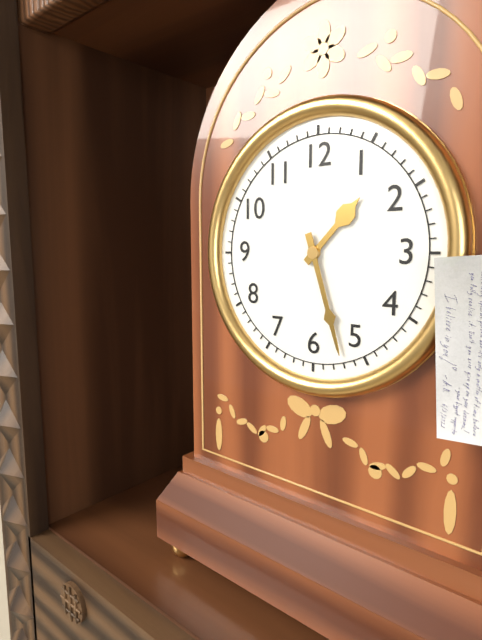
1:27
